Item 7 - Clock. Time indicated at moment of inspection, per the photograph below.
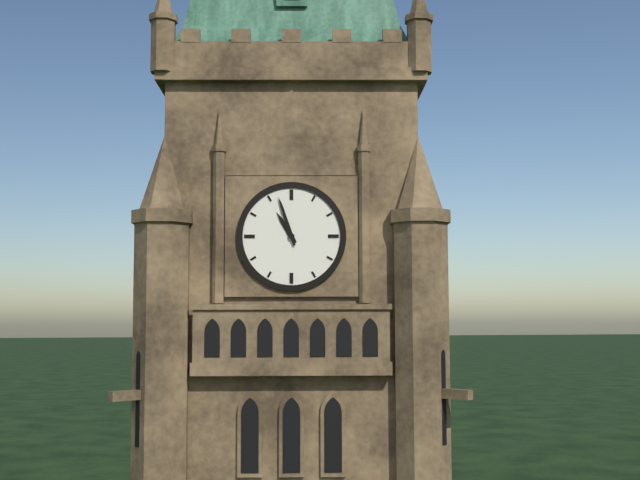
10:57
